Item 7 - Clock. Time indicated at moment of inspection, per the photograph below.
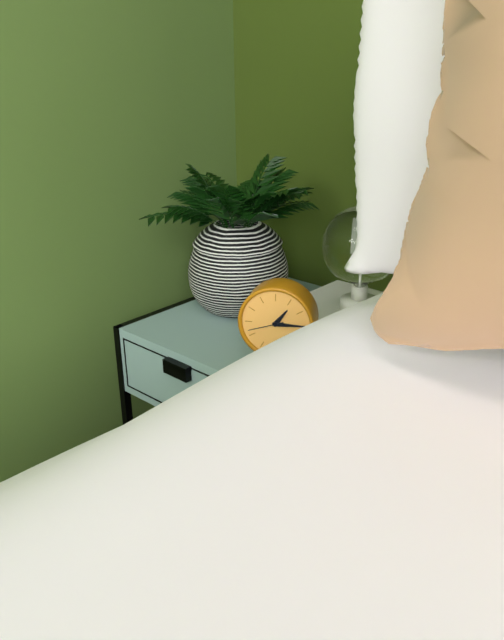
1:15
